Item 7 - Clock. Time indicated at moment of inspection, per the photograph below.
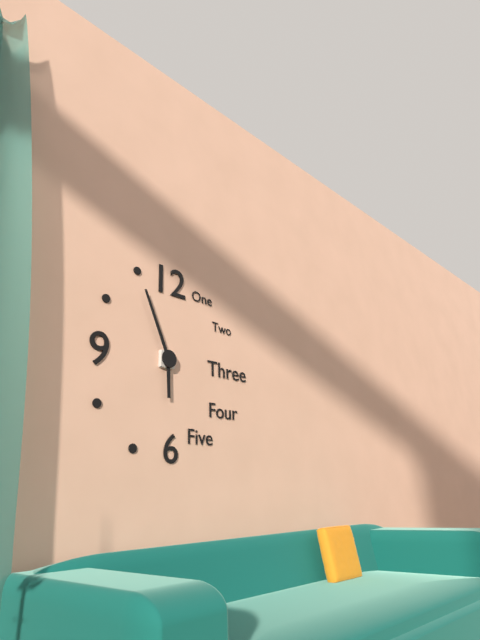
5:56
